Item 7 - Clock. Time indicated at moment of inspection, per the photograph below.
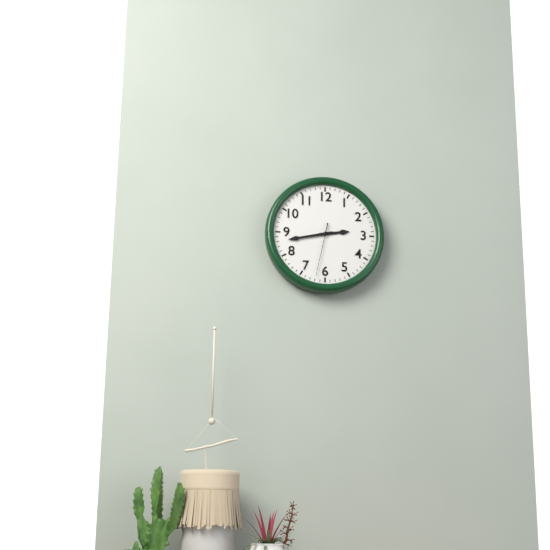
2:43
